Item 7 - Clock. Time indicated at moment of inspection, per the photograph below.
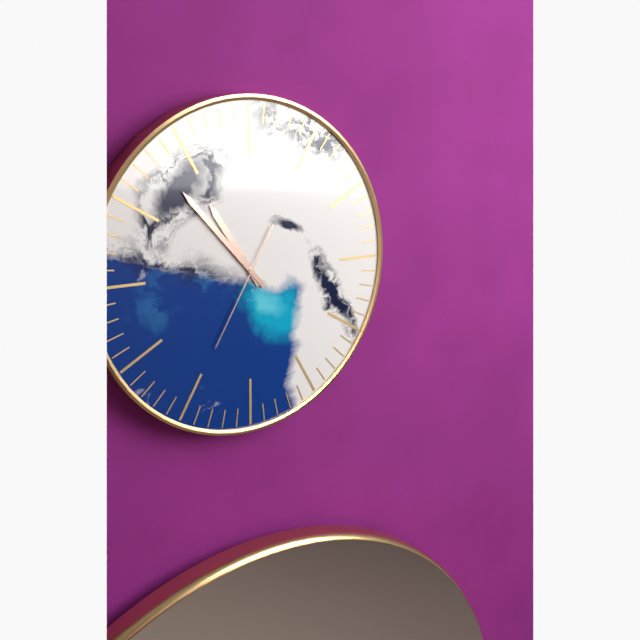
10:53:35
